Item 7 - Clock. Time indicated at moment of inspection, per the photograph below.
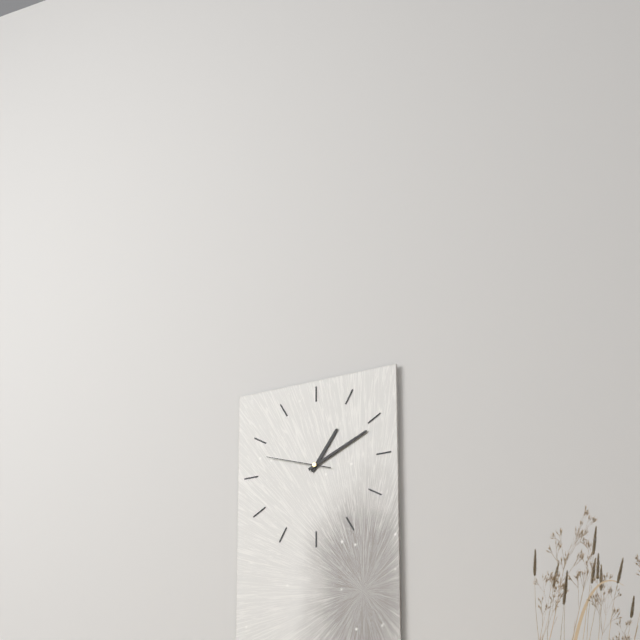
1:11:48
